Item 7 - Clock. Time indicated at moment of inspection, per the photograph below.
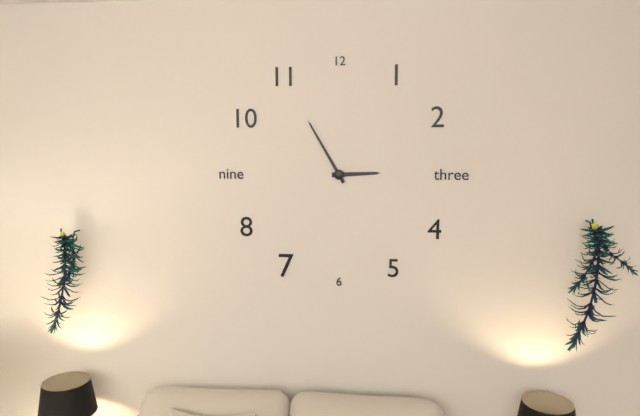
2:55
